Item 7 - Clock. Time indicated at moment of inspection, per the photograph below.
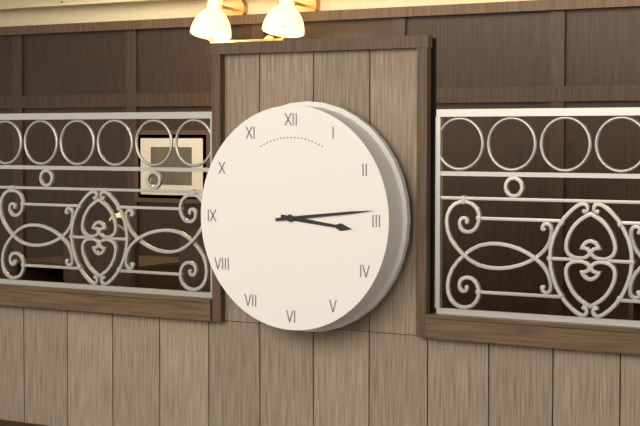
3:14
